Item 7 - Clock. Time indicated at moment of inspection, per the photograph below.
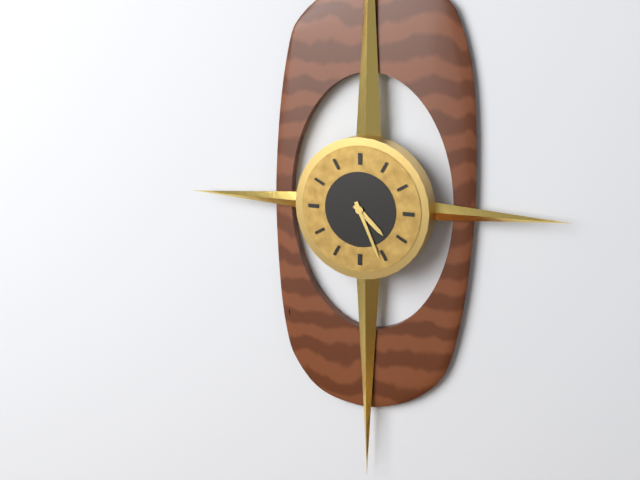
4:26
